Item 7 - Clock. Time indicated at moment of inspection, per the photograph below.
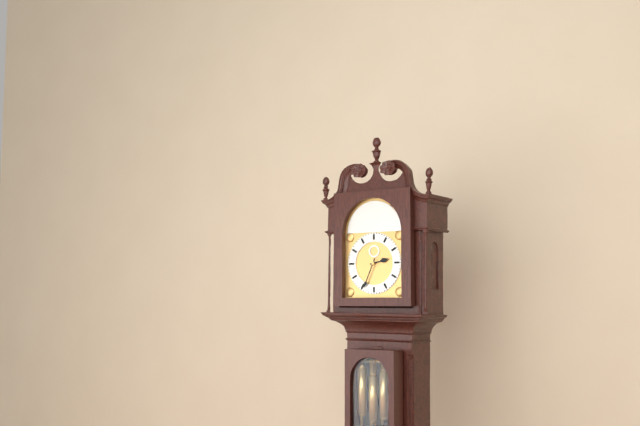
2:34
